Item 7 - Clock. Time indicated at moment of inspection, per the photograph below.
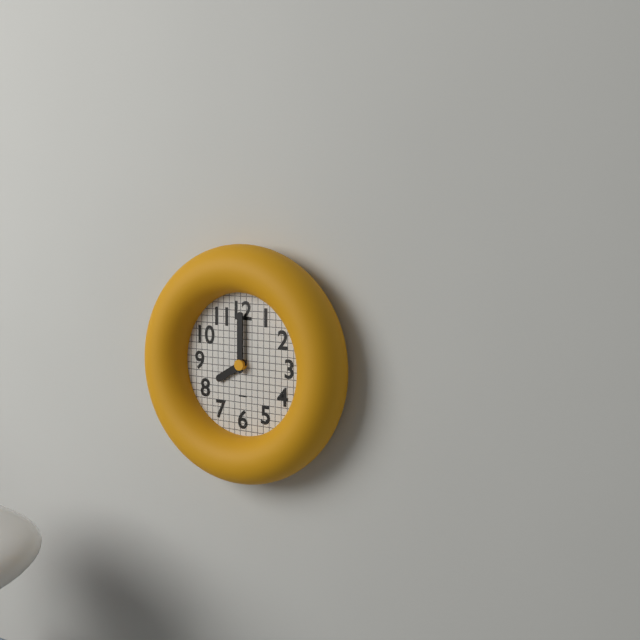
8:00
